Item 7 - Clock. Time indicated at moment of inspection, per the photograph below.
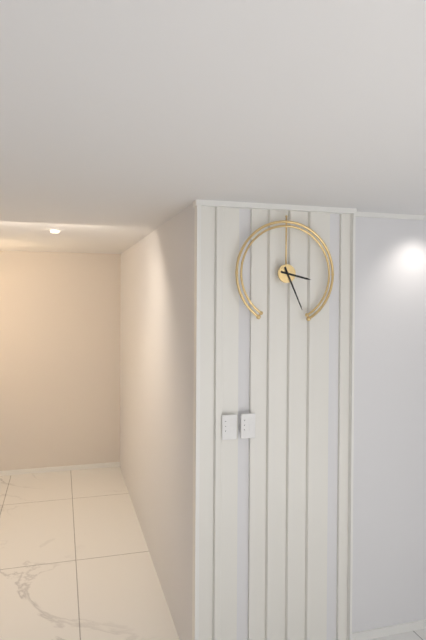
3:26
